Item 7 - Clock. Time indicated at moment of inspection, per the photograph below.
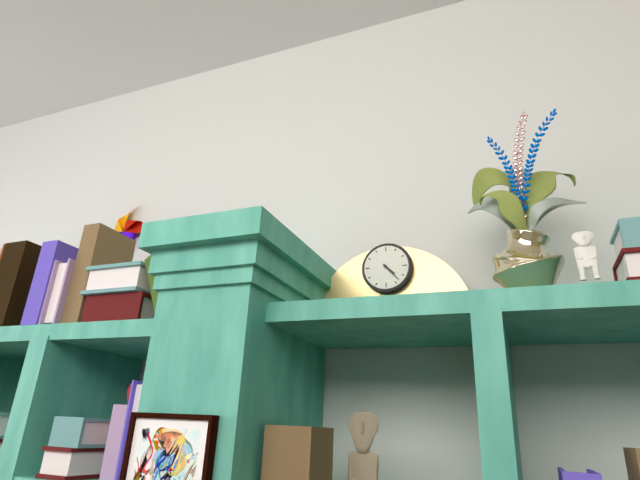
4:23
